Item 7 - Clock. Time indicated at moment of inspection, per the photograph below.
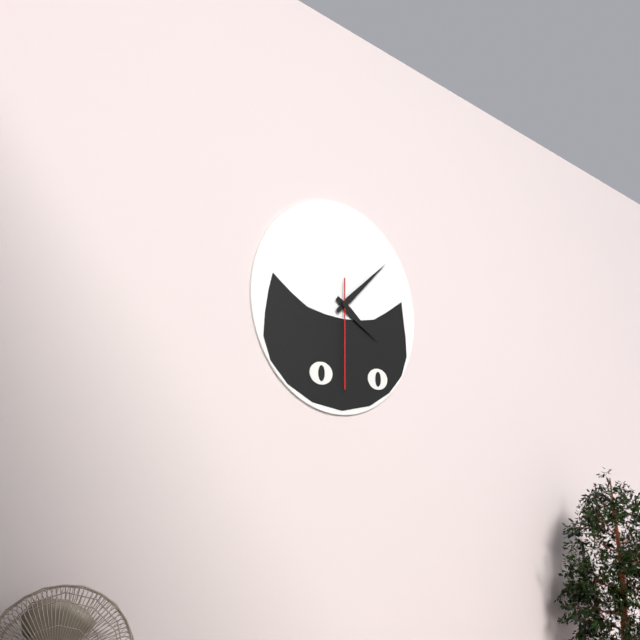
4:08:30
